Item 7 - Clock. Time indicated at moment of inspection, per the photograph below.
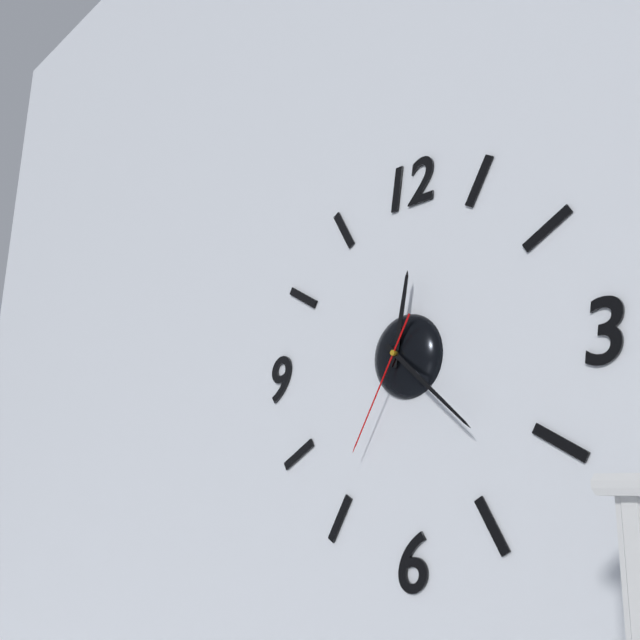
12:22:35
